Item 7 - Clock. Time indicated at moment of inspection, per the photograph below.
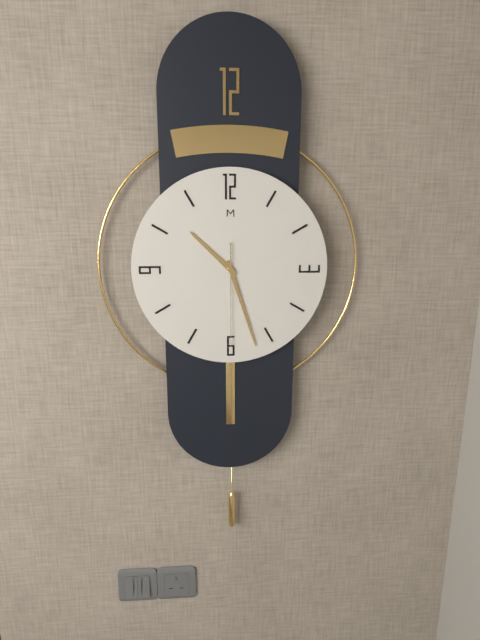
10:27:30
